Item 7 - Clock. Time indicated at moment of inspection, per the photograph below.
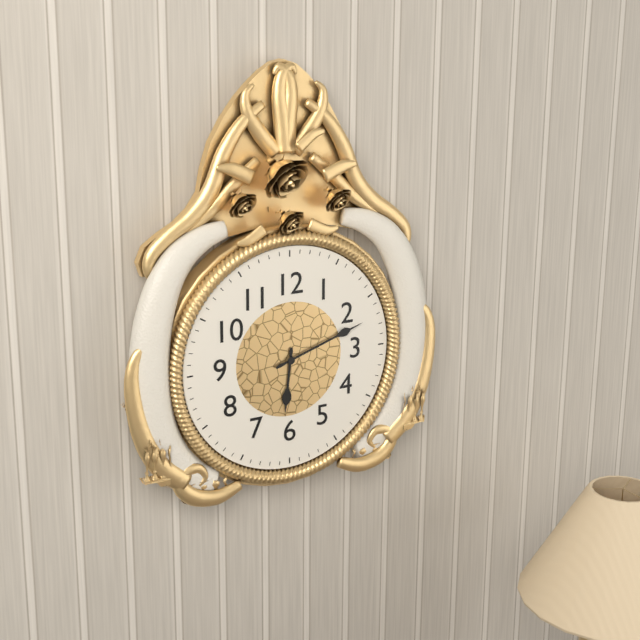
6:12
